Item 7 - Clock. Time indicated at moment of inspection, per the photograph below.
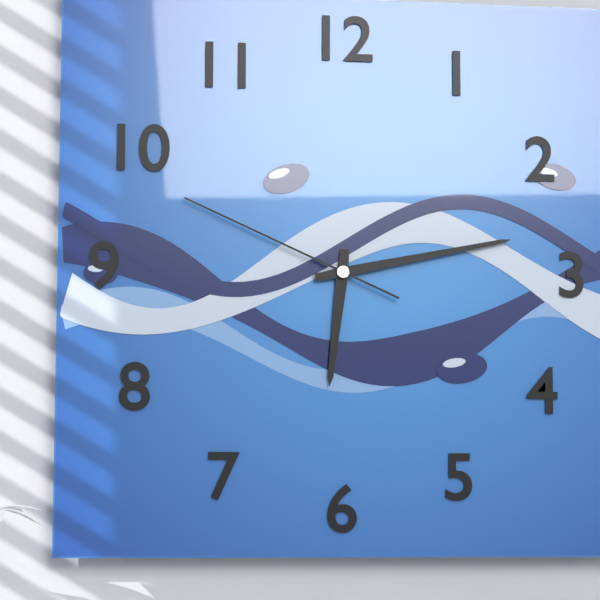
6:13:49
